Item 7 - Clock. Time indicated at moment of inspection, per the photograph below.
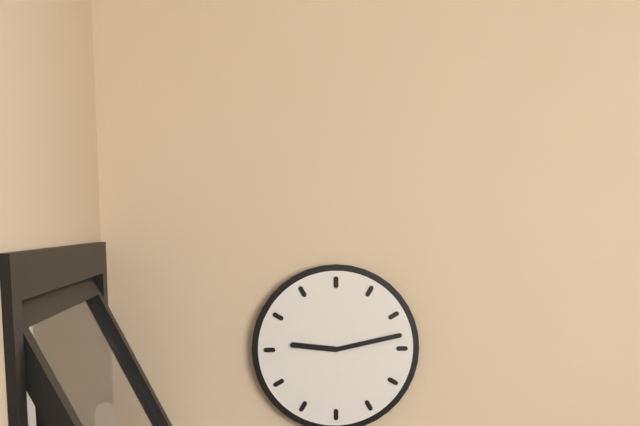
9:13
